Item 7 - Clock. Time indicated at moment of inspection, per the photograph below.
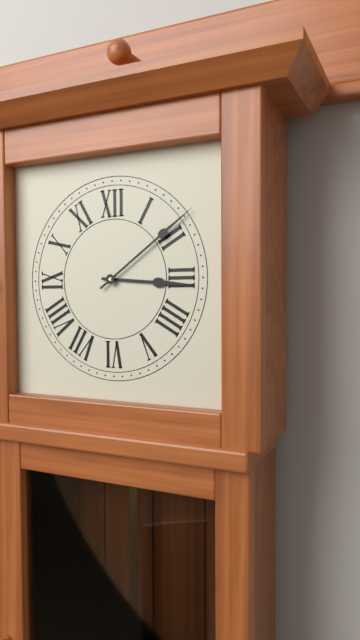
3:09
